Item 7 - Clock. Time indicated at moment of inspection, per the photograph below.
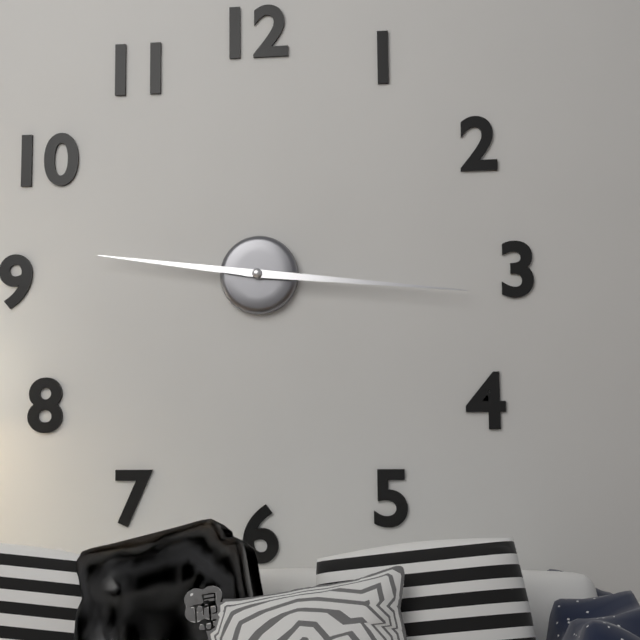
9:16
